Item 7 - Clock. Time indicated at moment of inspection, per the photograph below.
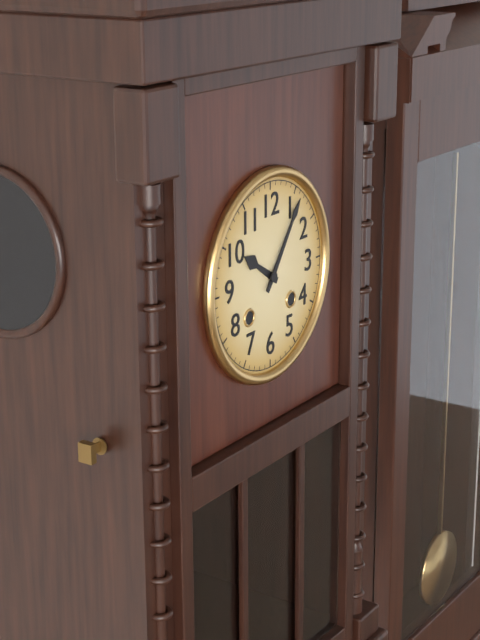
10:06
